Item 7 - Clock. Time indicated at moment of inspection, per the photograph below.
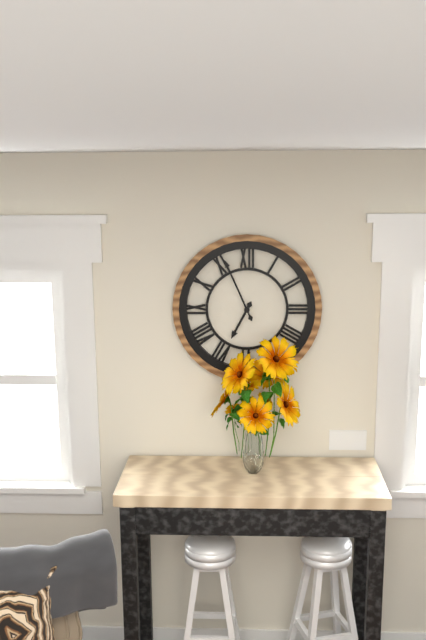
6:56
